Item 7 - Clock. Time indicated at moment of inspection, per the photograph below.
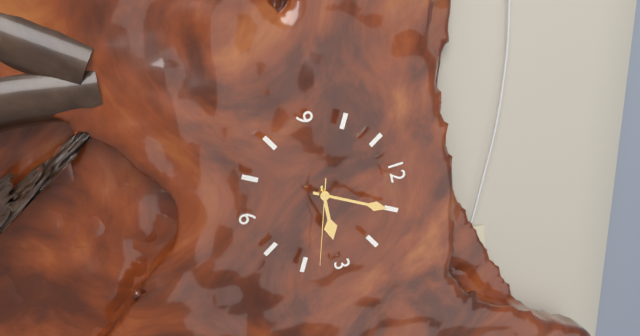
3:05:18
